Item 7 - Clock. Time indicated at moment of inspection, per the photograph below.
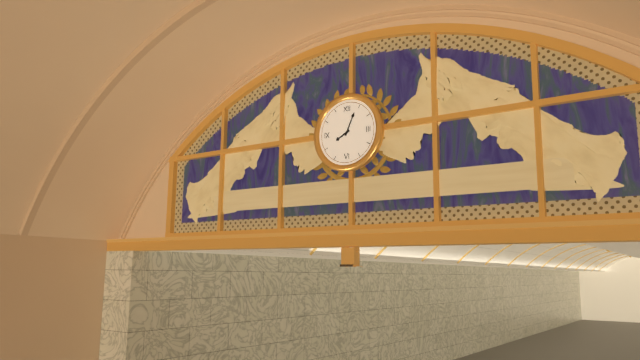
8:04
